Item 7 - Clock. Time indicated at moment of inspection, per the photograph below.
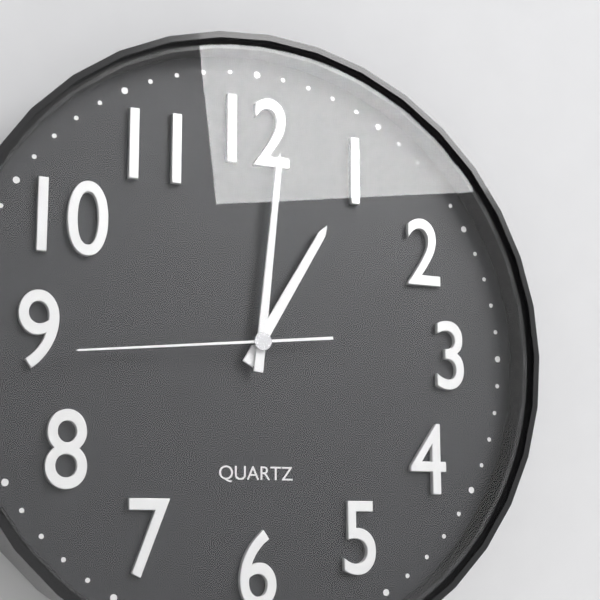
1:01:44
